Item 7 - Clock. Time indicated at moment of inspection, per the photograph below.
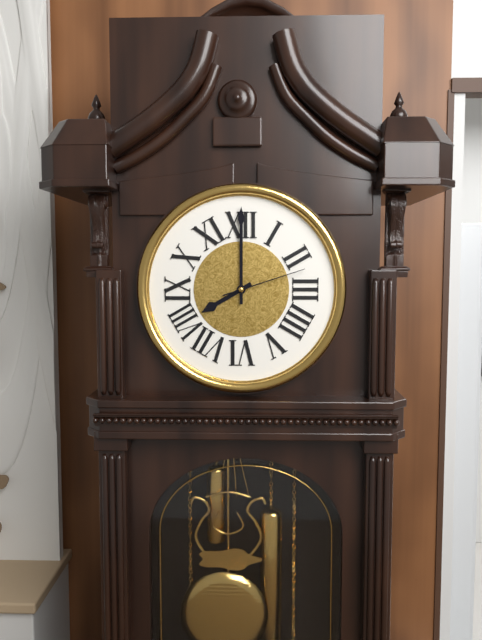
8:00:12
